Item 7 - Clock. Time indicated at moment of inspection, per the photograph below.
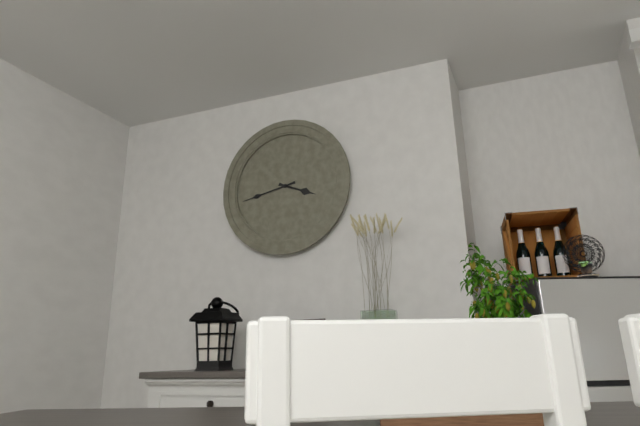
3:43
